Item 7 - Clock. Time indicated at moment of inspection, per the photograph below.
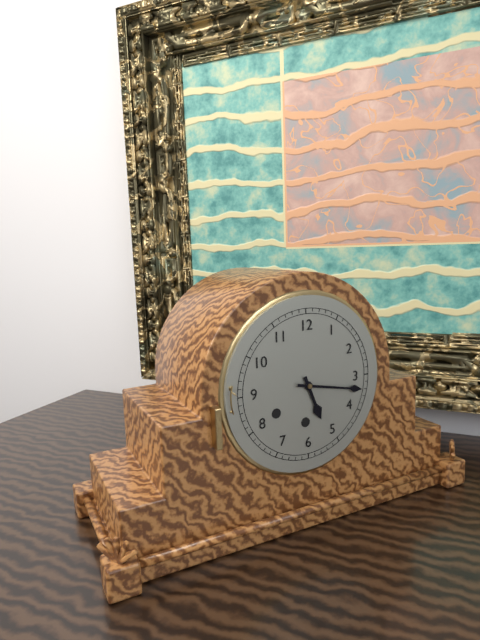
5:17
